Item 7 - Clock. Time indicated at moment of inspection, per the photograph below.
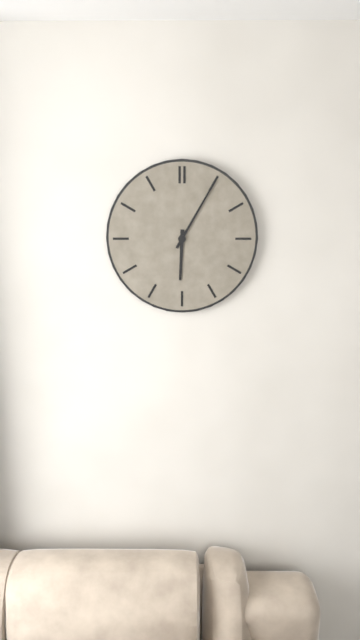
6:05
